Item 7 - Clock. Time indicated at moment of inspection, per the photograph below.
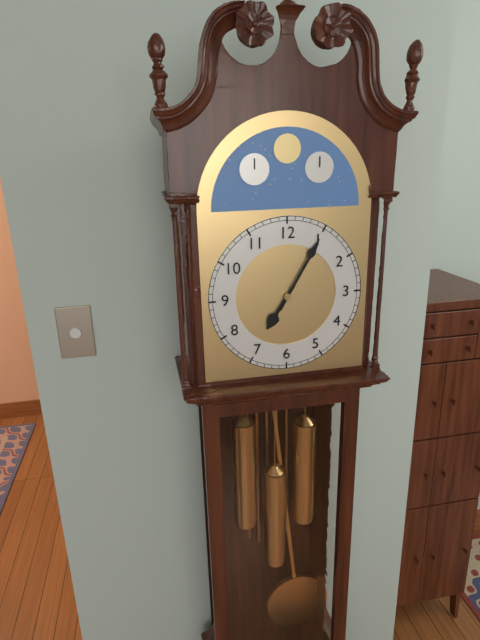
7:05
